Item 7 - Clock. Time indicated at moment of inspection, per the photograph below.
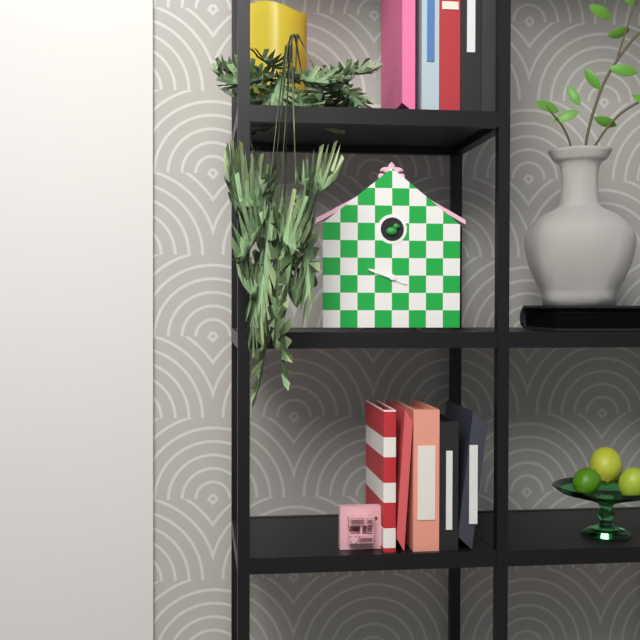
3:48
